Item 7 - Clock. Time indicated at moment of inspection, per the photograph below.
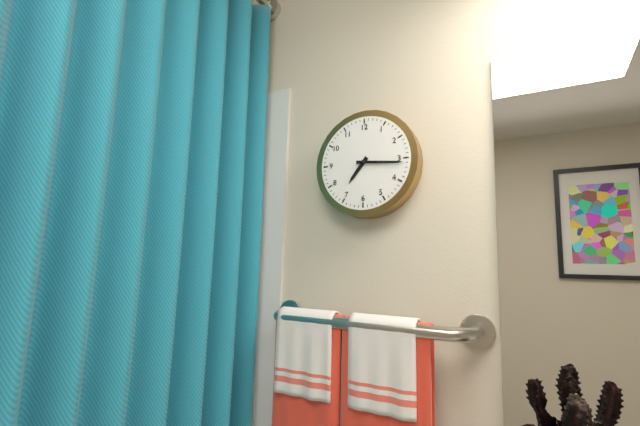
7:16
